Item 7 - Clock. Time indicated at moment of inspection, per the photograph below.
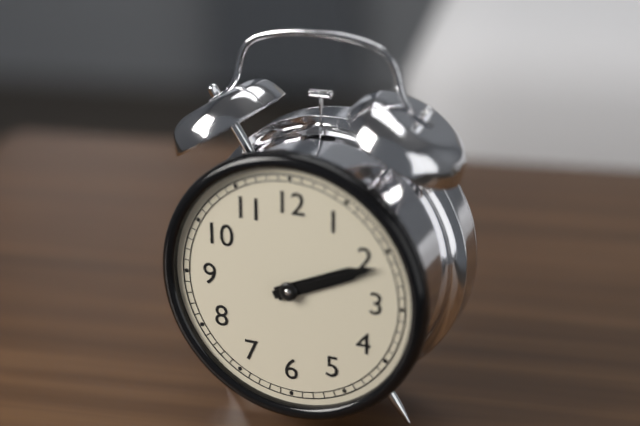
2:11
